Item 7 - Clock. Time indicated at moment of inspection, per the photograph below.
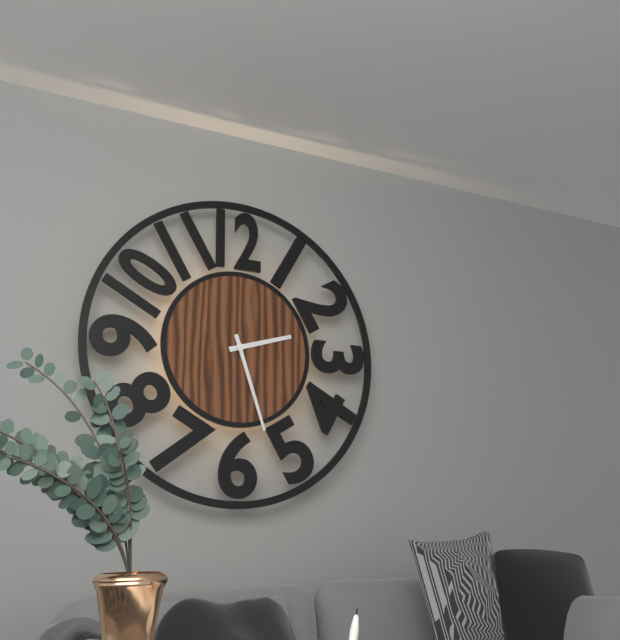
2:27
